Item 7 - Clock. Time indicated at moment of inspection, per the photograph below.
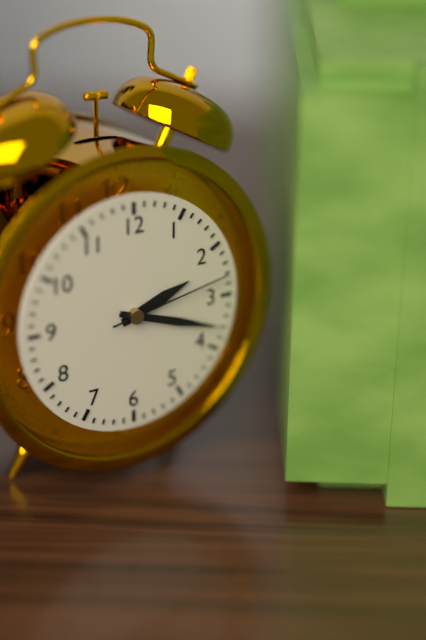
2:18:13
